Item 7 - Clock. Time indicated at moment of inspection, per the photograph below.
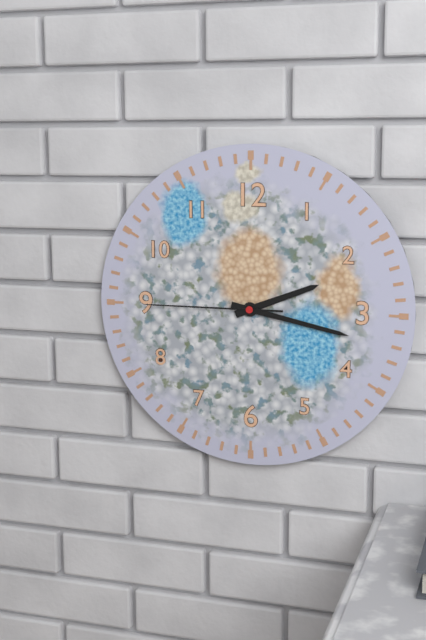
2:17:45
